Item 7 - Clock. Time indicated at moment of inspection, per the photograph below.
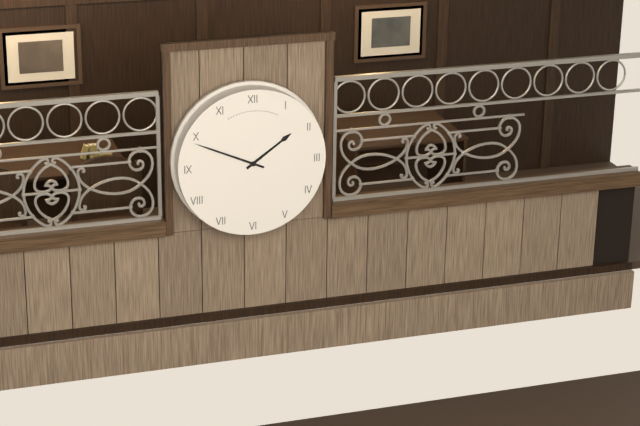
1:49
